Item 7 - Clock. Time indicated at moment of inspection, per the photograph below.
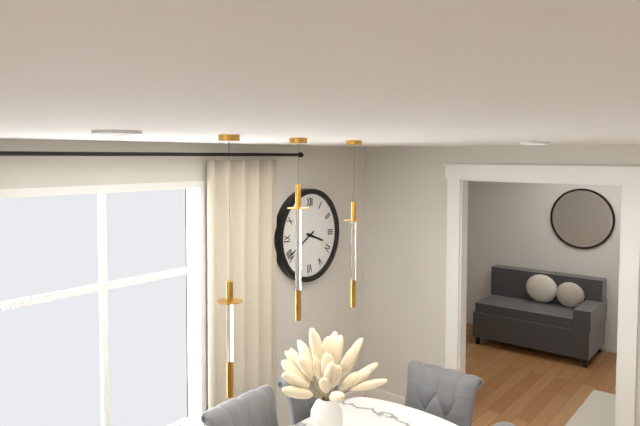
3:40
